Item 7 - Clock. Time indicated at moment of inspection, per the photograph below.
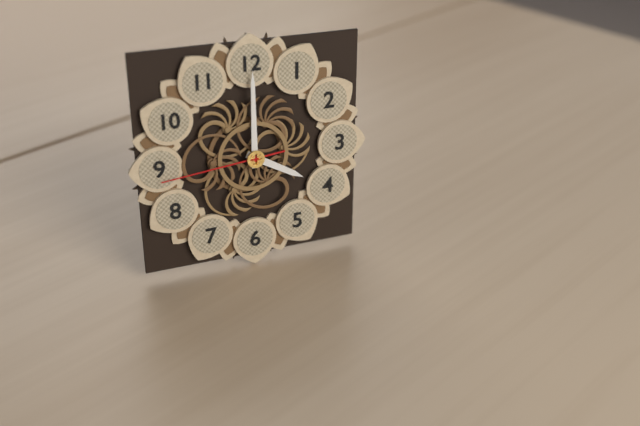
4:00:44
